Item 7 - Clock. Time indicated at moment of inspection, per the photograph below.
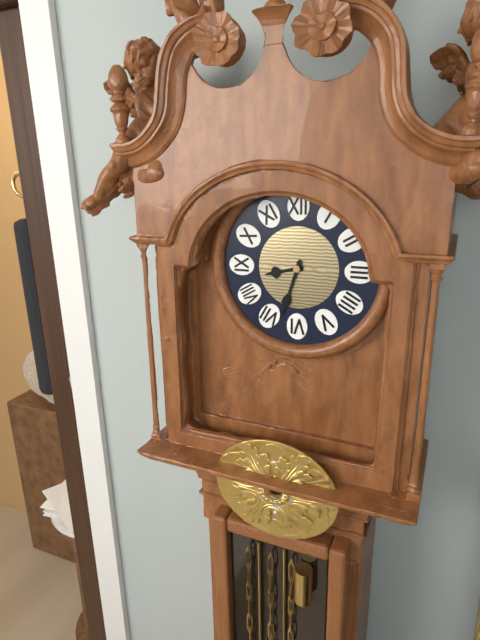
8:33
